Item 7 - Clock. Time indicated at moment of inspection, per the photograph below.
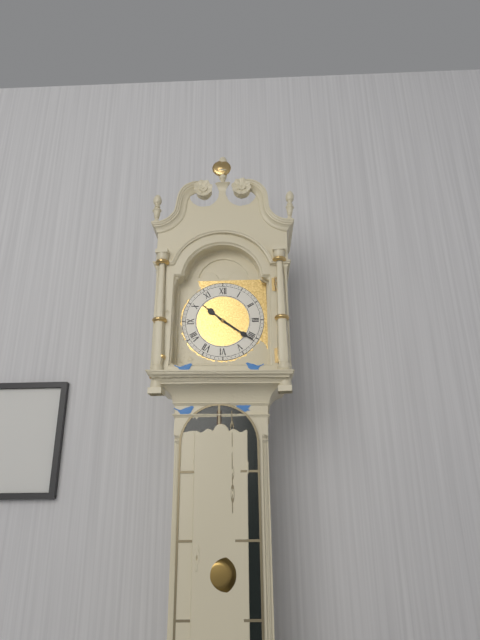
10:21
